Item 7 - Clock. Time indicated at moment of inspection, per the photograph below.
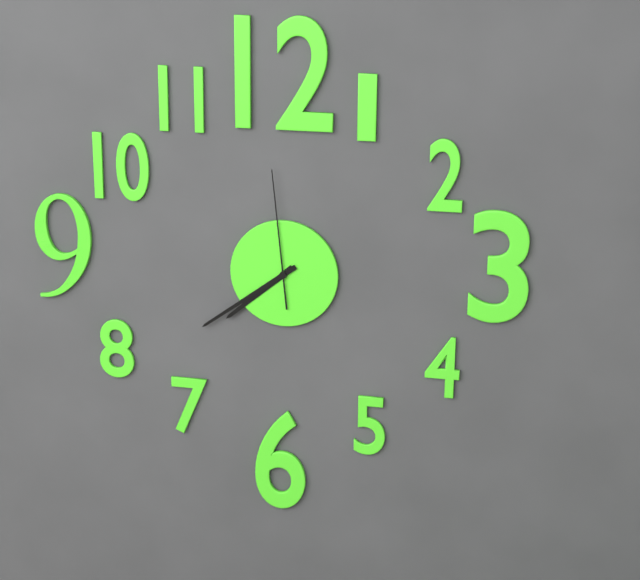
7:39:59
